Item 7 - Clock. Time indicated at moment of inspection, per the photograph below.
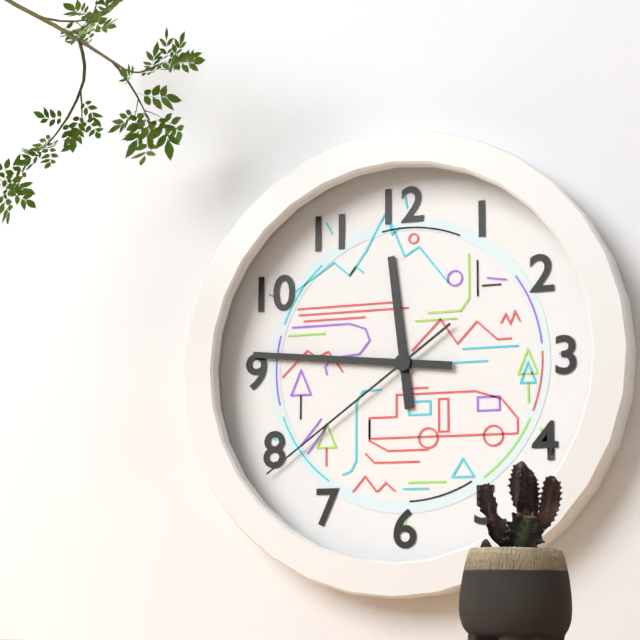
11:46:39
